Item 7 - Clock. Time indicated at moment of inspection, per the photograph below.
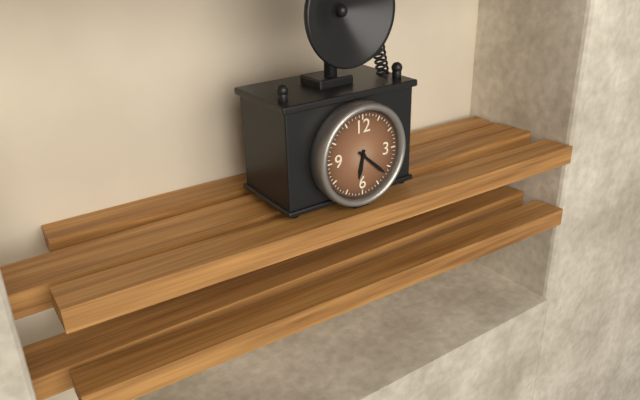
6:22
